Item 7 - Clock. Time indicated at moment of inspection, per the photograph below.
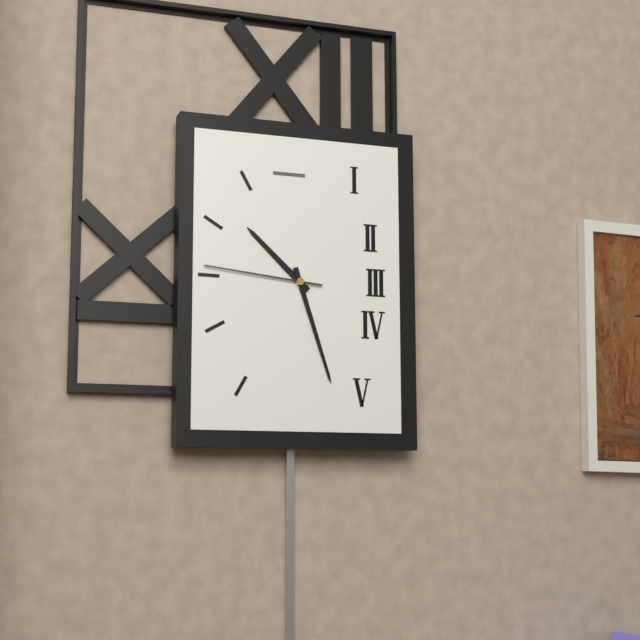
10:27:46
